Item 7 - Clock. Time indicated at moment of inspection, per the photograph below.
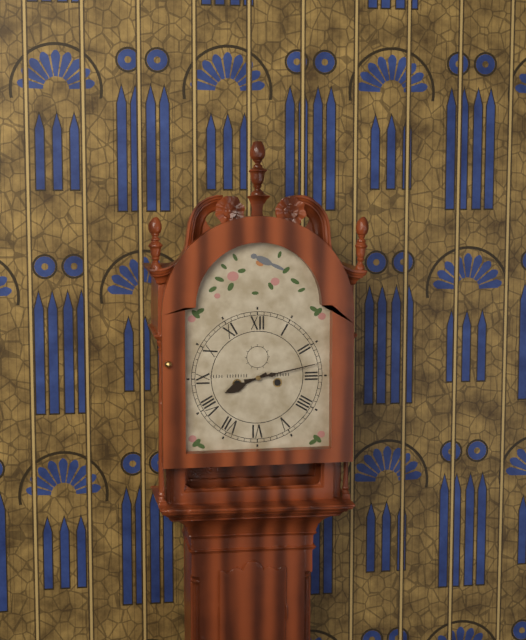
8:13
